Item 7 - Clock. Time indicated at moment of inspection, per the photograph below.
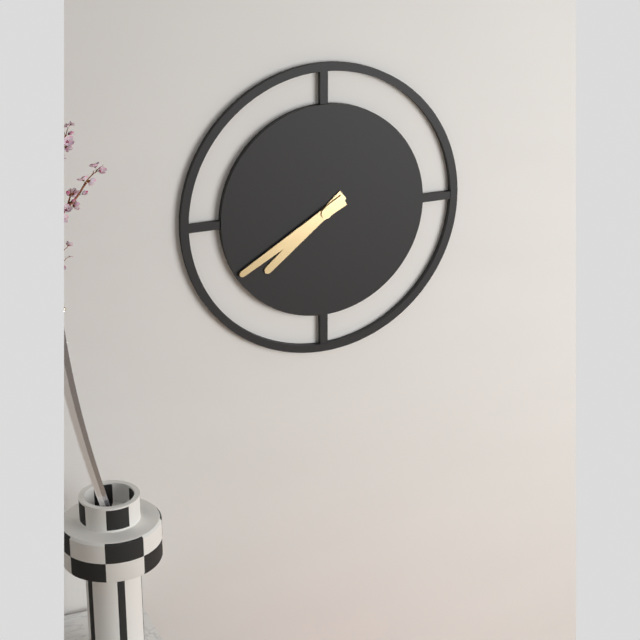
7:40
